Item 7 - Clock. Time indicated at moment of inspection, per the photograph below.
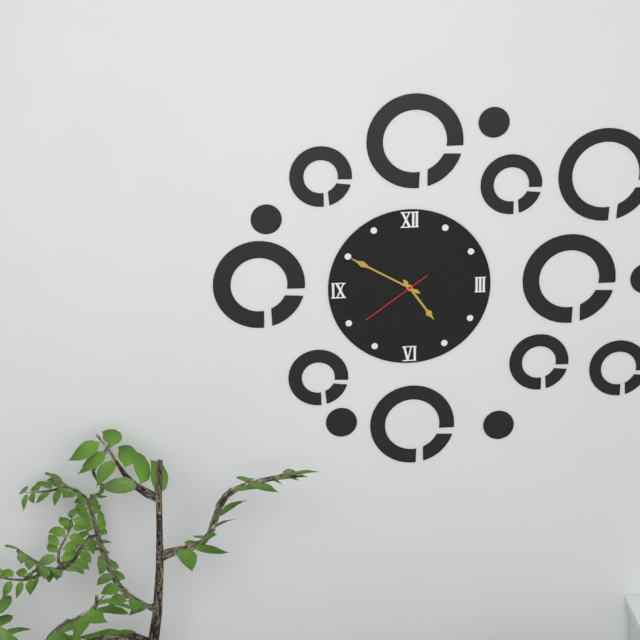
4:50:39
